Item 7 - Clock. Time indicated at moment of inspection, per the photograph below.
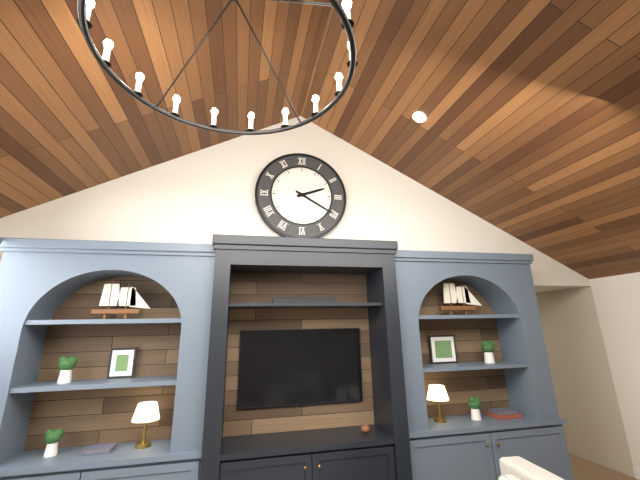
2:20
